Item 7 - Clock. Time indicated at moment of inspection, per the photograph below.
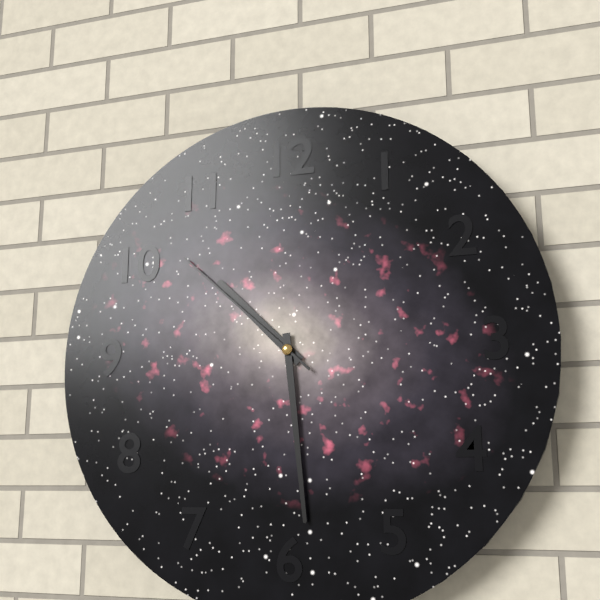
10:29:52
